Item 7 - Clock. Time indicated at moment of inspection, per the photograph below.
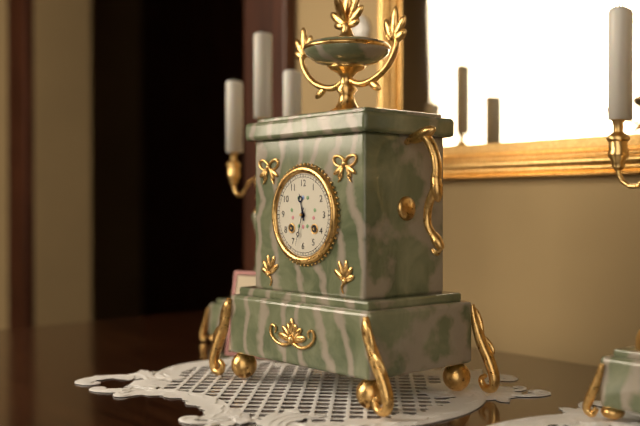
11:33
